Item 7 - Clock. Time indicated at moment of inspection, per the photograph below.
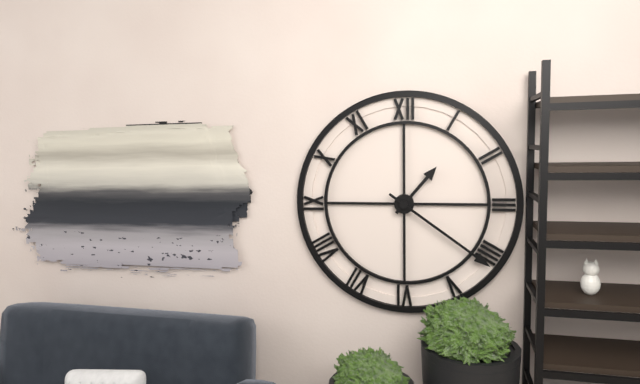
1:21
